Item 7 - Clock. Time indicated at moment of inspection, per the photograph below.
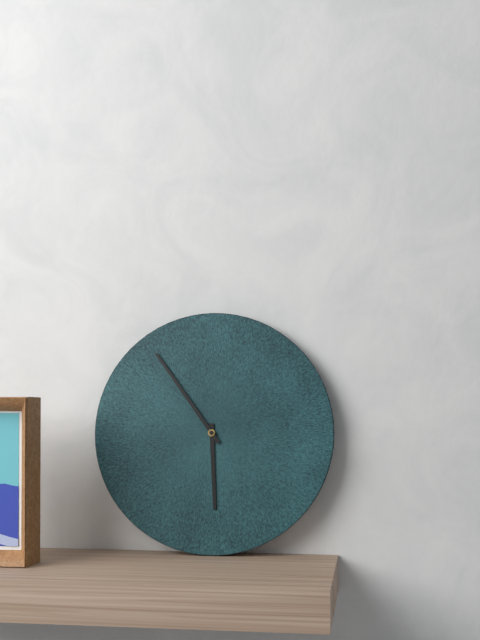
5:54
